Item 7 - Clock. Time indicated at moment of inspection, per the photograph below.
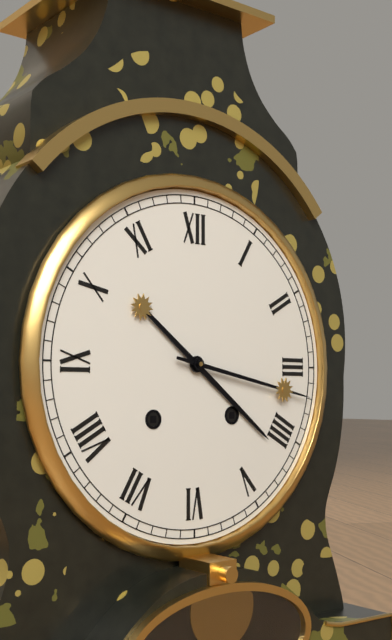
4:17
